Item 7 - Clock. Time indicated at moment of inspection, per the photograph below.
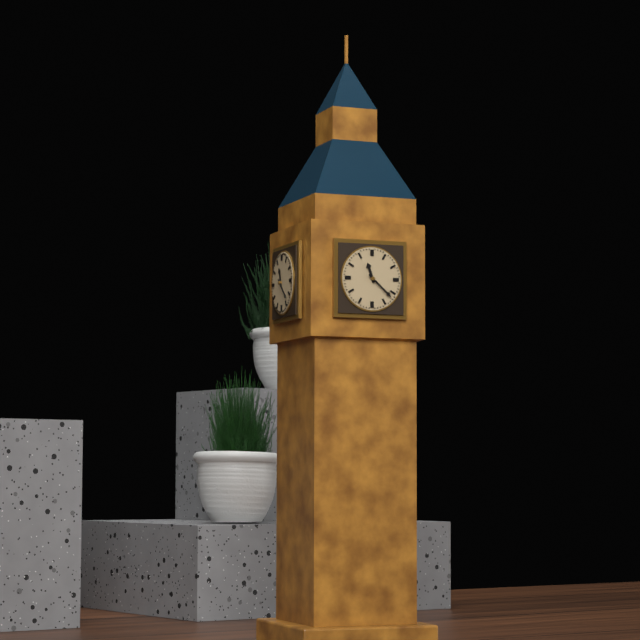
11:22
